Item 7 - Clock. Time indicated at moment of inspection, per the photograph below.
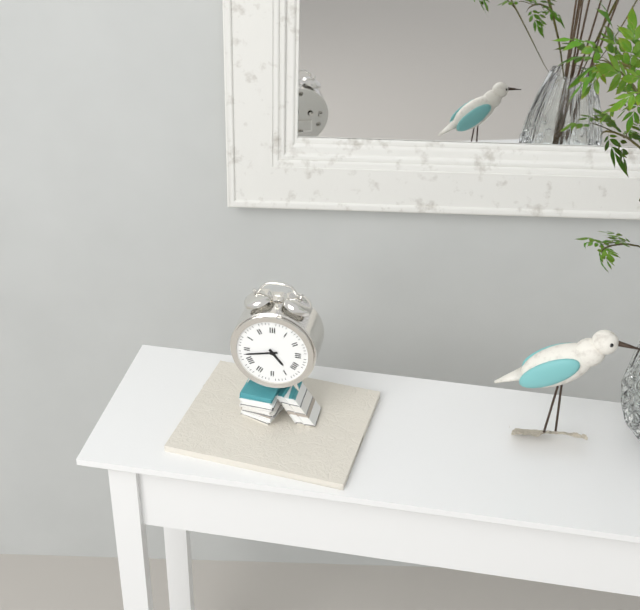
4:43
